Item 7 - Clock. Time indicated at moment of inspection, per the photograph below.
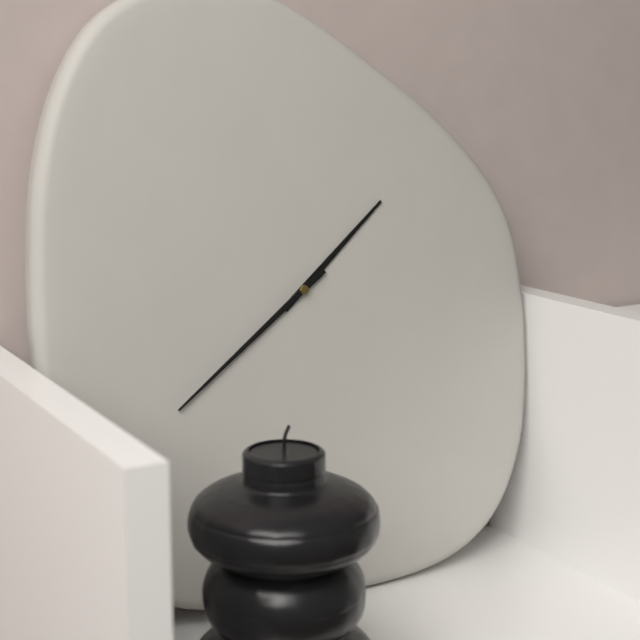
1:39
